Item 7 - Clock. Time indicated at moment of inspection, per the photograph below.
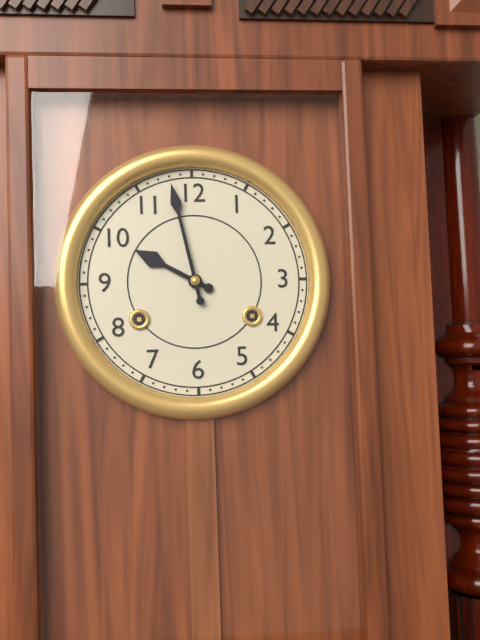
9:58
